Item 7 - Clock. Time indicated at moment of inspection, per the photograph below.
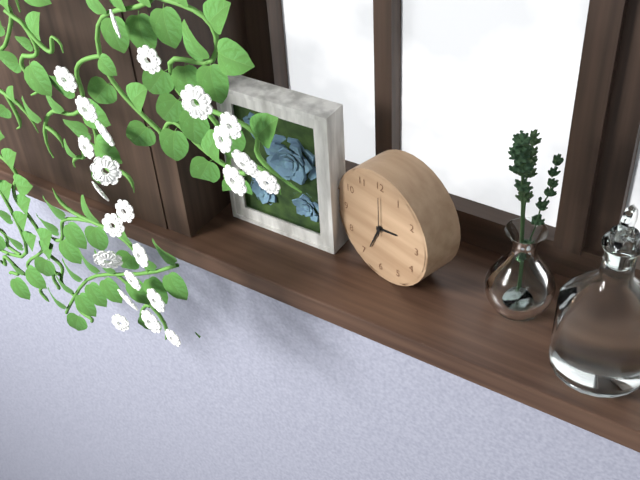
2:34
